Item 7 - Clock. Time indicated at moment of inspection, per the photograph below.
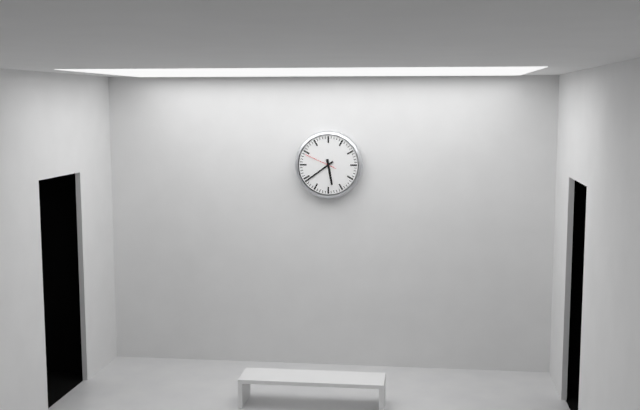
5:39
